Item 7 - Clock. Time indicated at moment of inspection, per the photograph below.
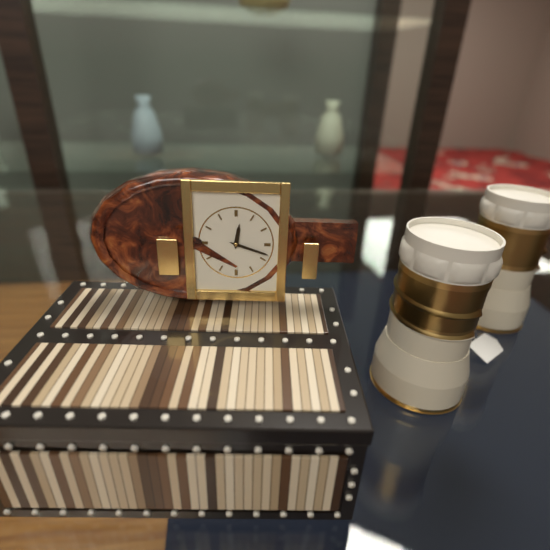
12:18
